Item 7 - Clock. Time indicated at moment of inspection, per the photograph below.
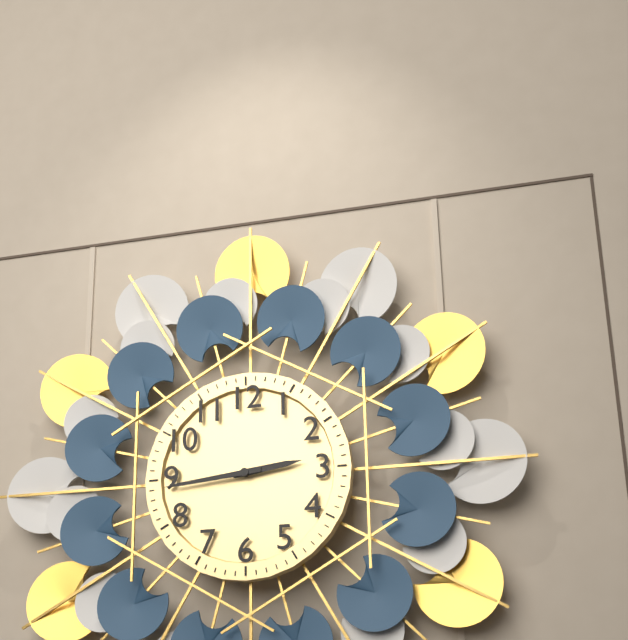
2:44
